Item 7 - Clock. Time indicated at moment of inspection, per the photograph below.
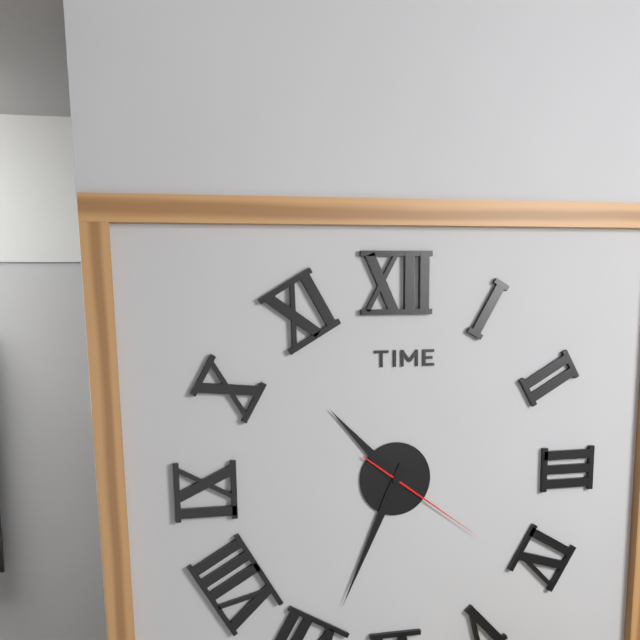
10:34:21
